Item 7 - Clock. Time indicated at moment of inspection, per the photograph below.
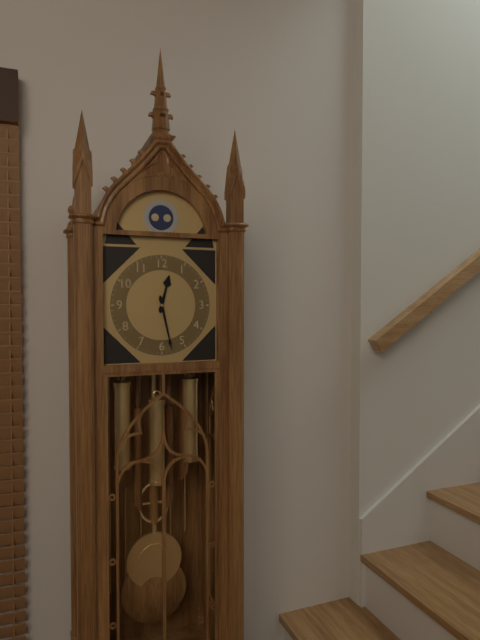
12:28
